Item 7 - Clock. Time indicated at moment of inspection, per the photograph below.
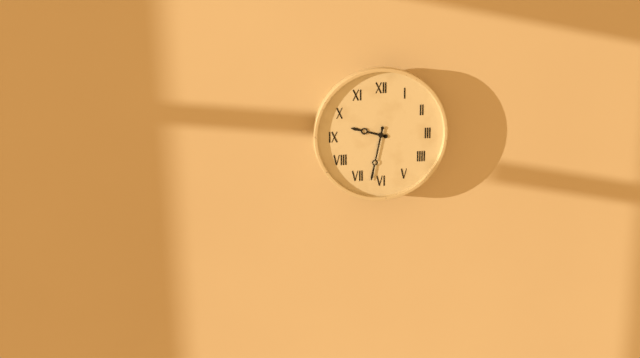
9:32
